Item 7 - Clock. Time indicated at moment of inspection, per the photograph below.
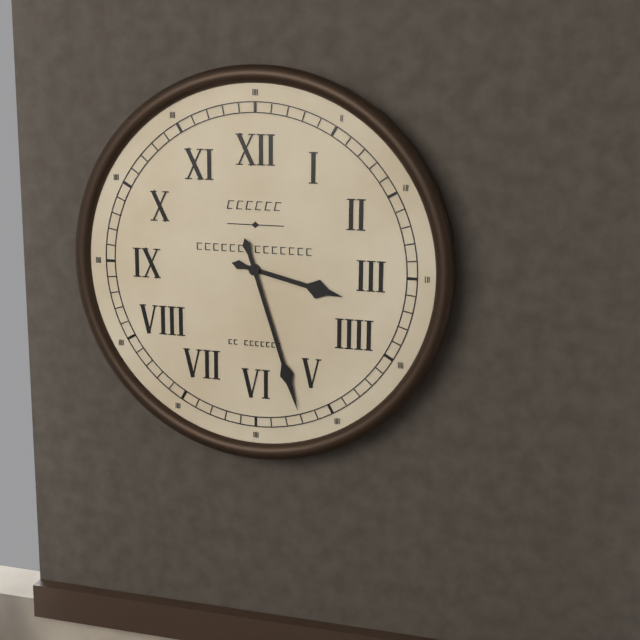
3:27
